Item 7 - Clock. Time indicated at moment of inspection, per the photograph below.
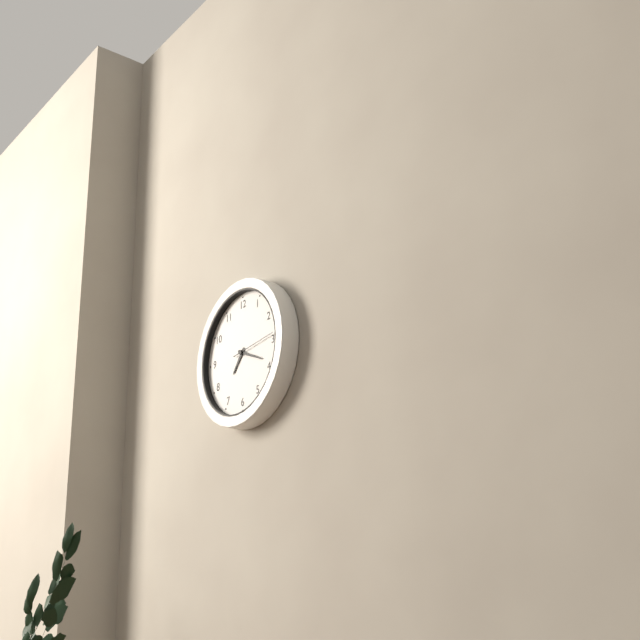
7:19
